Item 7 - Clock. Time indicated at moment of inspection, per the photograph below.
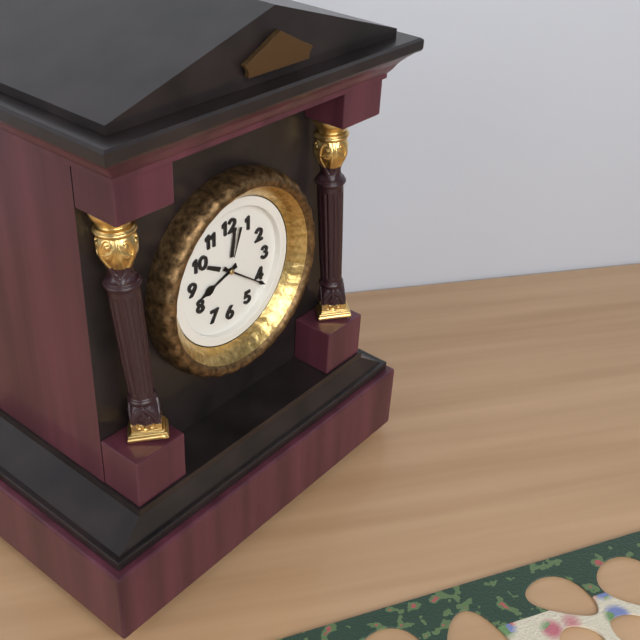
8:21
